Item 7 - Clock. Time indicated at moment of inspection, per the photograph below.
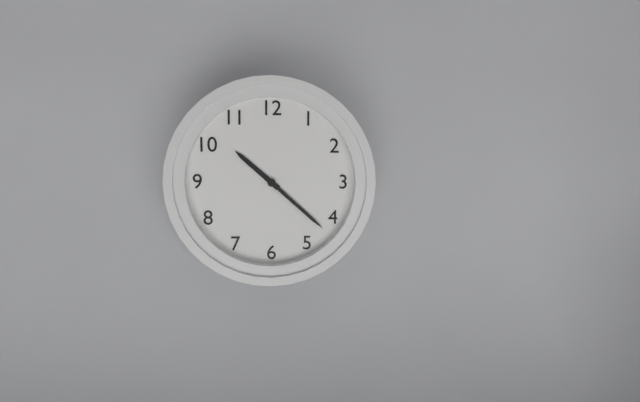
10:22
